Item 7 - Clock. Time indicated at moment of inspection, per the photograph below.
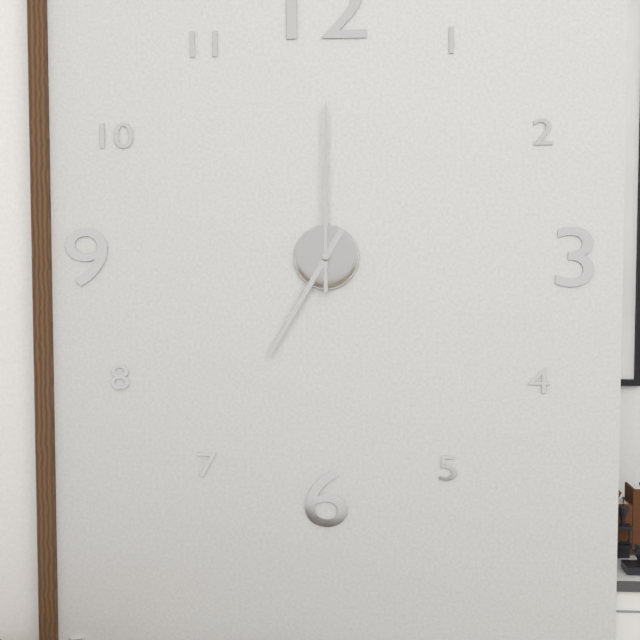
7:00
